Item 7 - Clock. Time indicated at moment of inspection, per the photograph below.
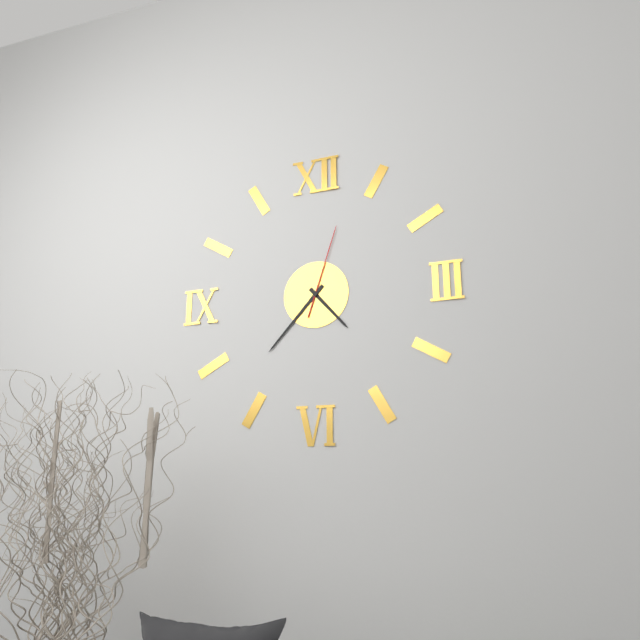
4:37:03
